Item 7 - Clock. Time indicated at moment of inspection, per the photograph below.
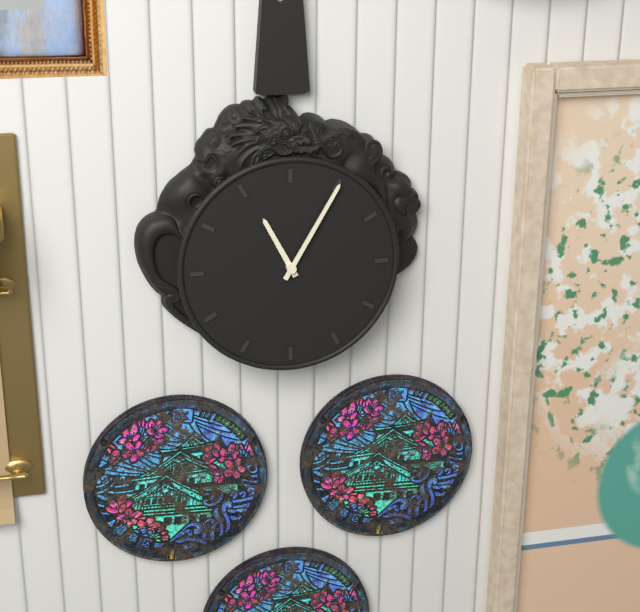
11:05
